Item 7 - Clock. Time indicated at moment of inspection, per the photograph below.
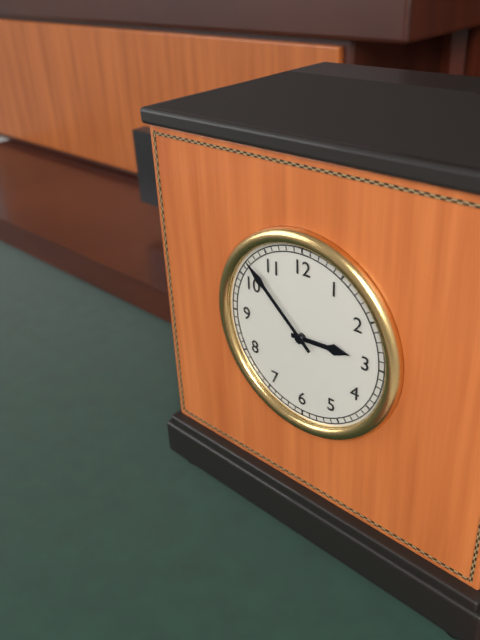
2:52
